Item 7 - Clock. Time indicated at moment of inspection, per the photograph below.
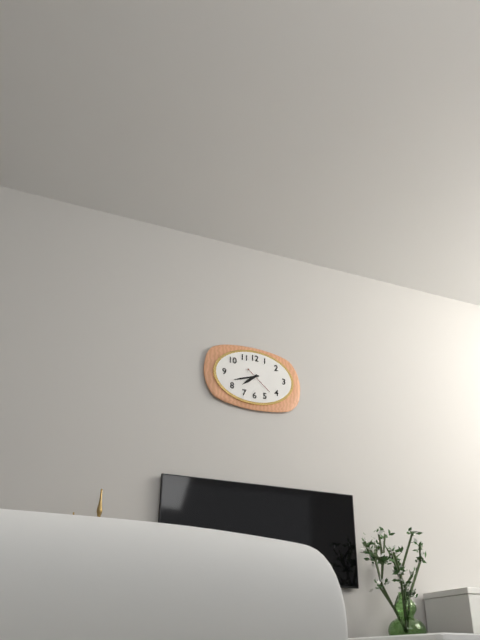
7:42
